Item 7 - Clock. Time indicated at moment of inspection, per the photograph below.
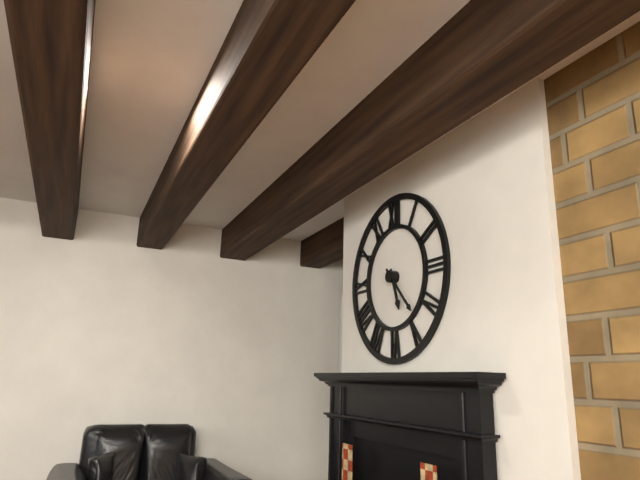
5:23
